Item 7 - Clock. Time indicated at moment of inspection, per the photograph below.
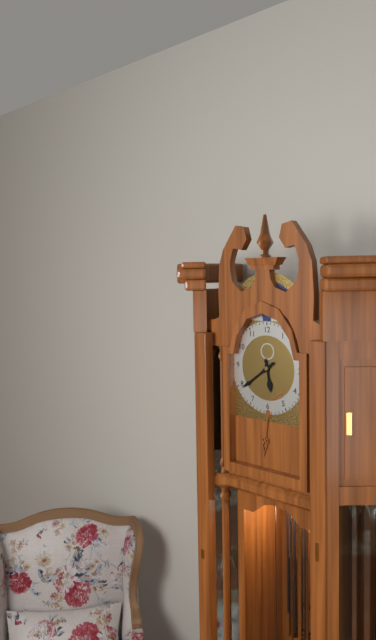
5:39
